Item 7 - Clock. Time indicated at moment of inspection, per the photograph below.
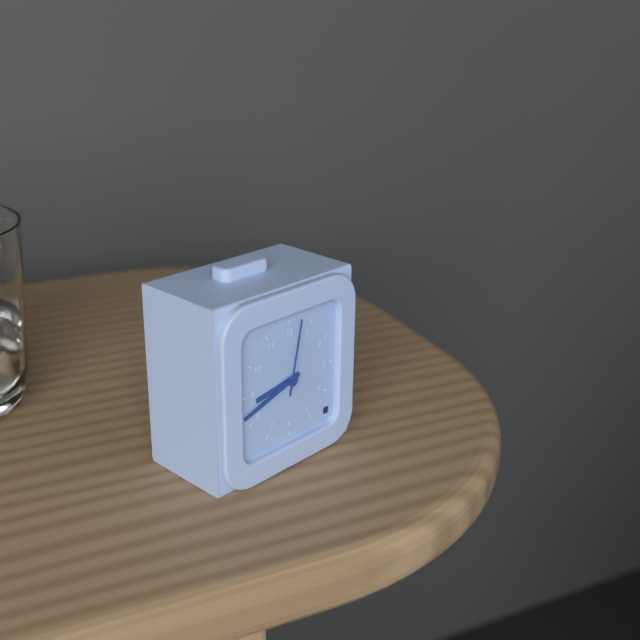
8:42:02
